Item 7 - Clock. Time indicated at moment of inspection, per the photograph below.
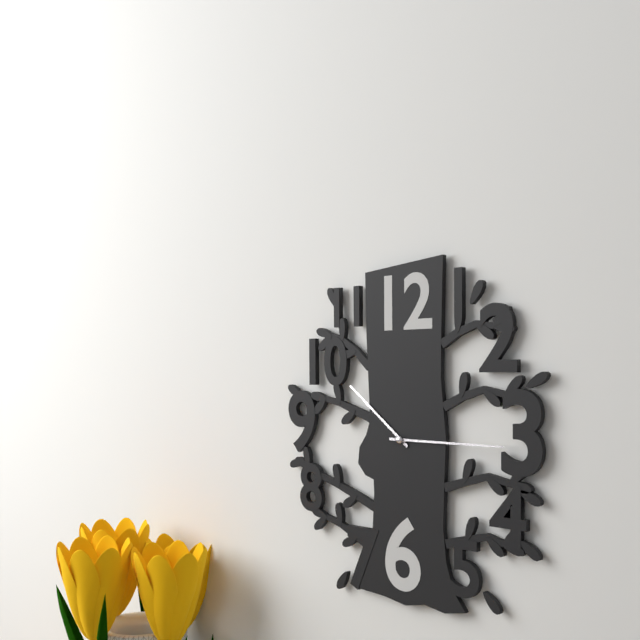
10:15
